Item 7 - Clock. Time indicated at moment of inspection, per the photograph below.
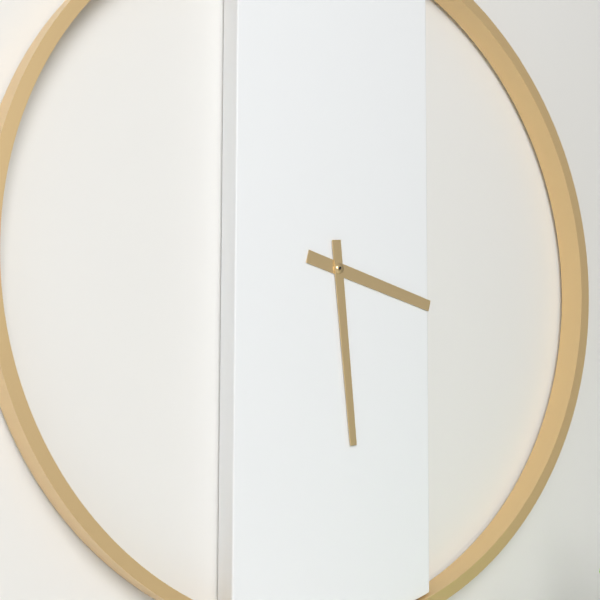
3:29
